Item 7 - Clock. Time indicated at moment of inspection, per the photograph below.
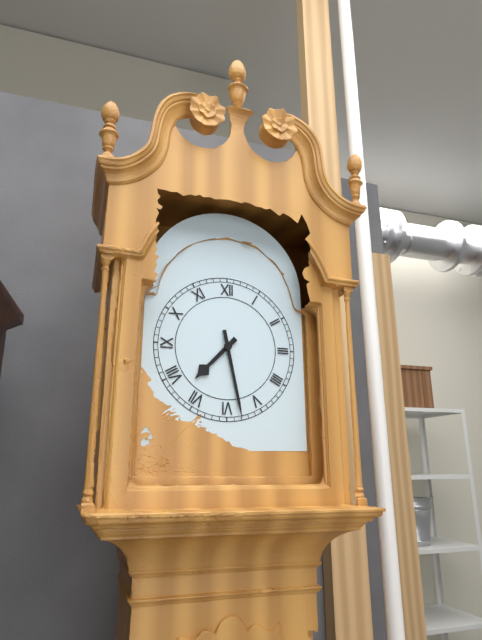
7:28
